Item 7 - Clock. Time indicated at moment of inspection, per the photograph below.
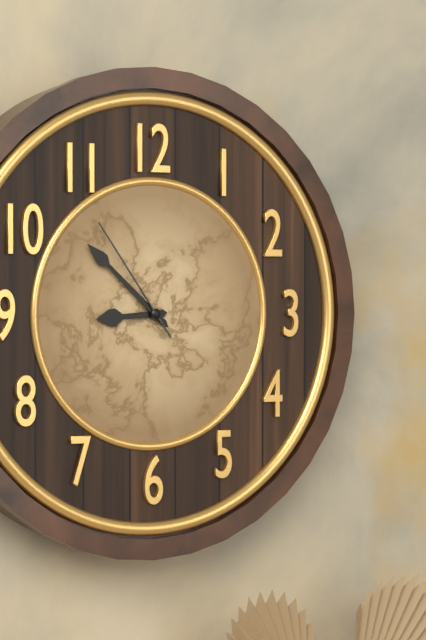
8:52:54
